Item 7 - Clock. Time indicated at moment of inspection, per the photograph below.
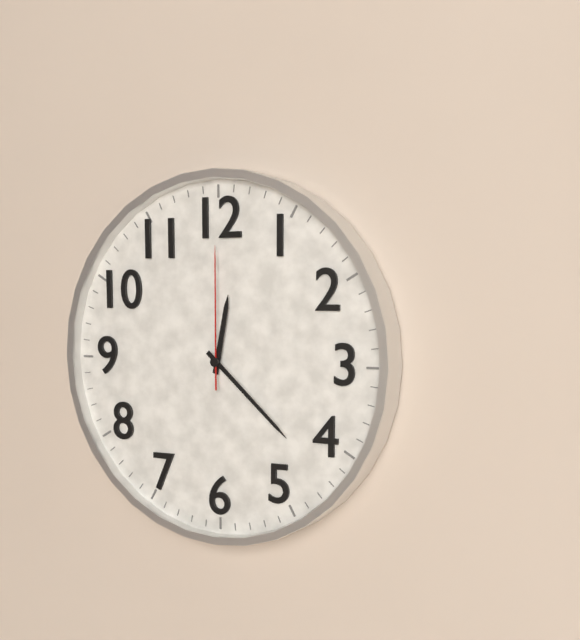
12:22:00
